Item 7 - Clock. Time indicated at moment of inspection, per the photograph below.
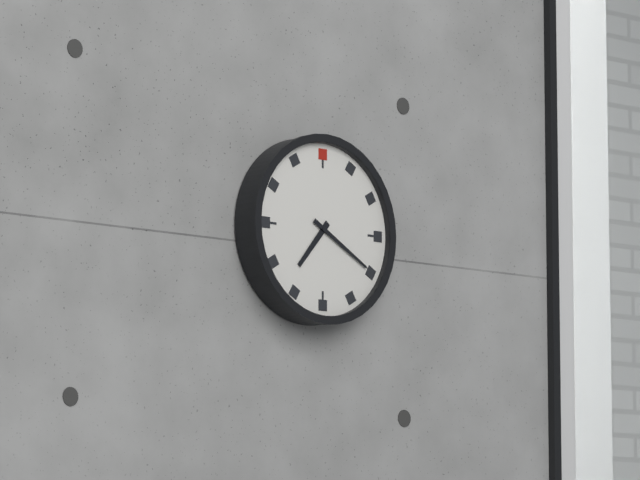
7:20
